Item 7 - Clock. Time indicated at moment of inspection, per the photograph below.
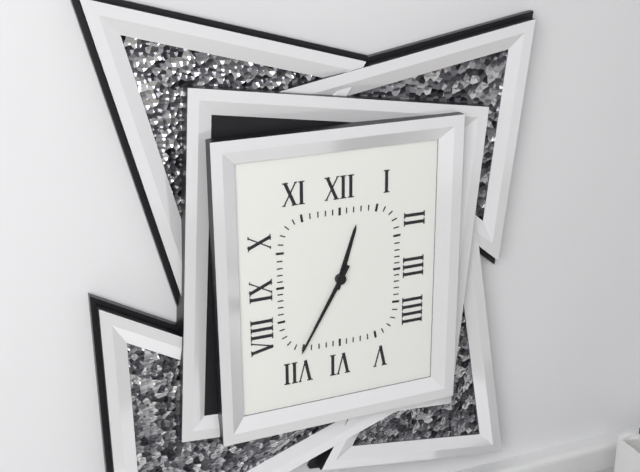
12:35
